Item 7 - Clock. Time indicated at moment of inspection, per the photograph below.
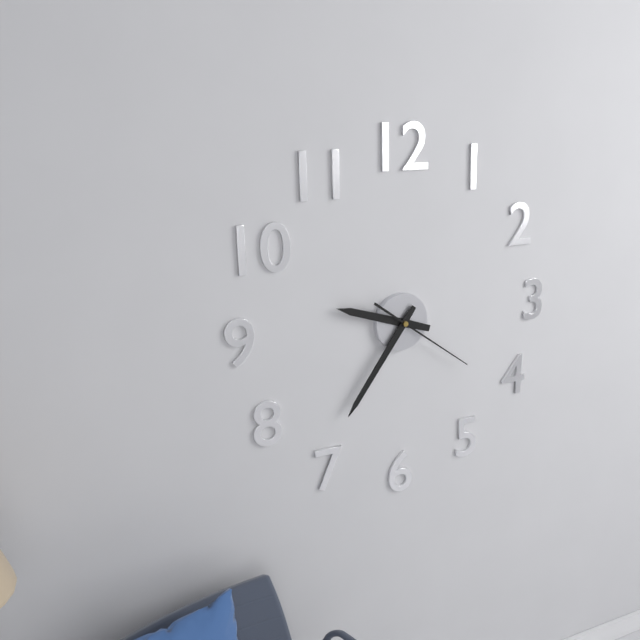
9:36:21
